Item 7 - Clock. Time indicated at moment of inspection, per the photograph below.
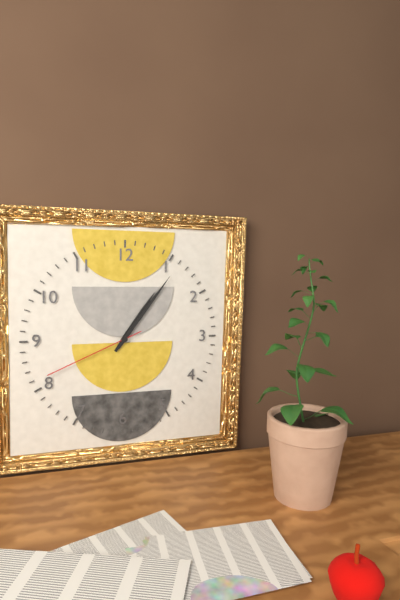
1:06:41
